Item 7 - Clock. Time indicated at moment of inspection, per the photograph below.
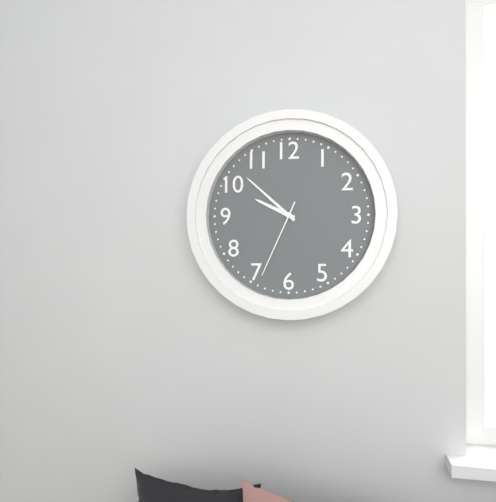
9:52:34
